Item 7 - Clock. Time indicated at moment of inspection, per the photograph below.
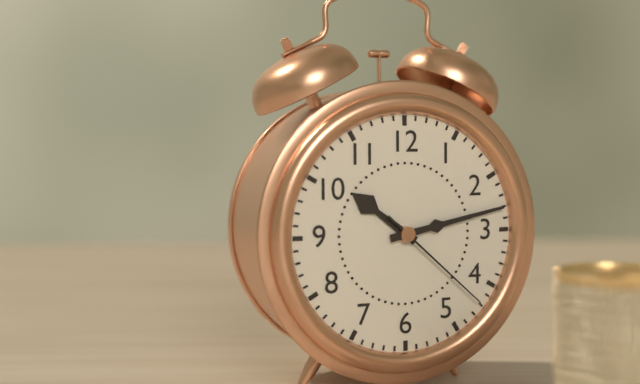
10:13:22
